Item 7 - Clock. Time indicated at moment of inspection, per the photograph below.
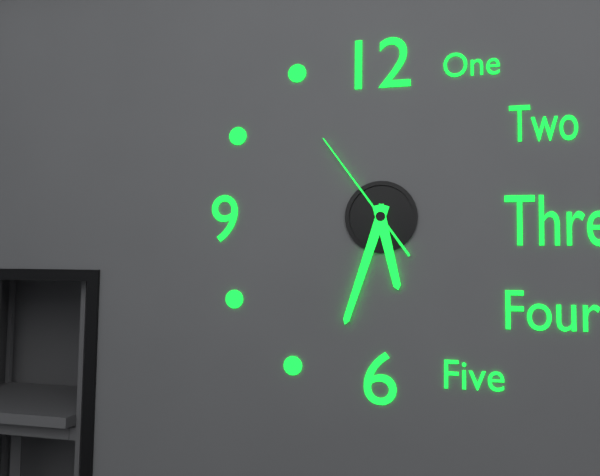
5:33:54
